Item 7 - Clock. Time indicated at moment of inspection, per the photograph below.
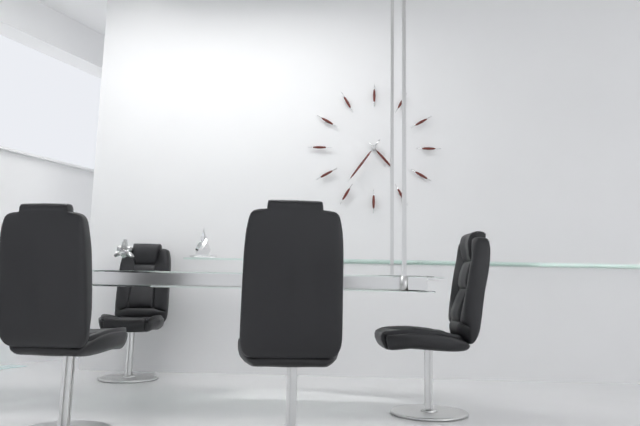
4:36
